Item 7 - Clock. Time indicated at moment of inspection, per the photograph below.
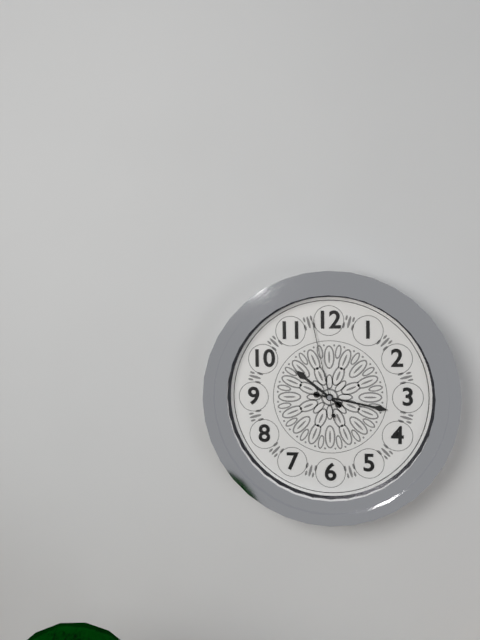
10:17:58
